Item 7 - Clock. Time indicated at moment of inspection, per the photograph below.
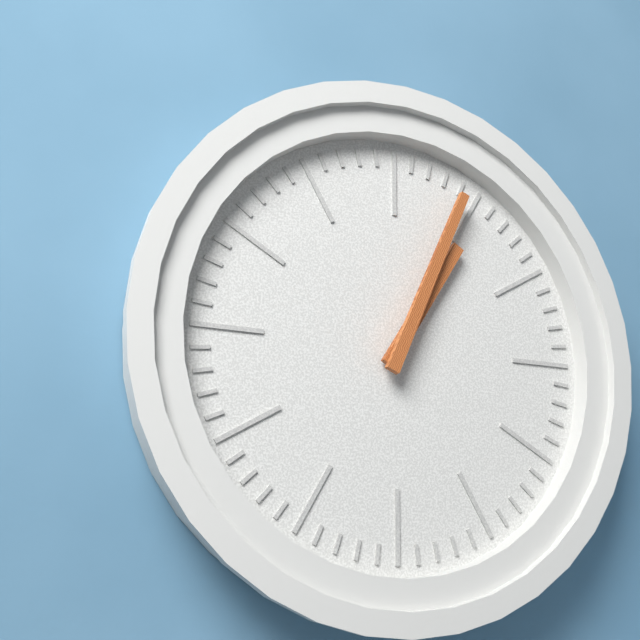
1:04
